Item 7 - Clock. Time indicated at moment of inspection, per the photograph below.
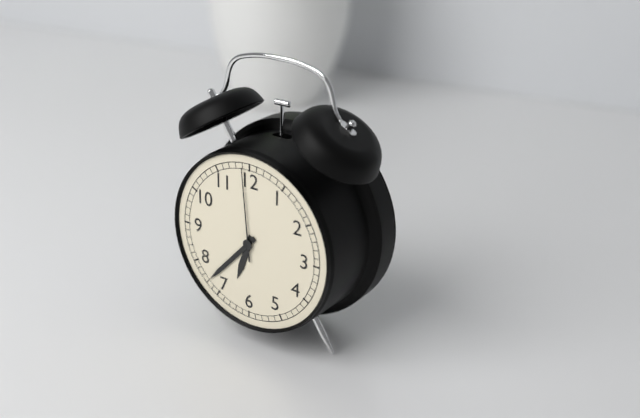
6:37:59
